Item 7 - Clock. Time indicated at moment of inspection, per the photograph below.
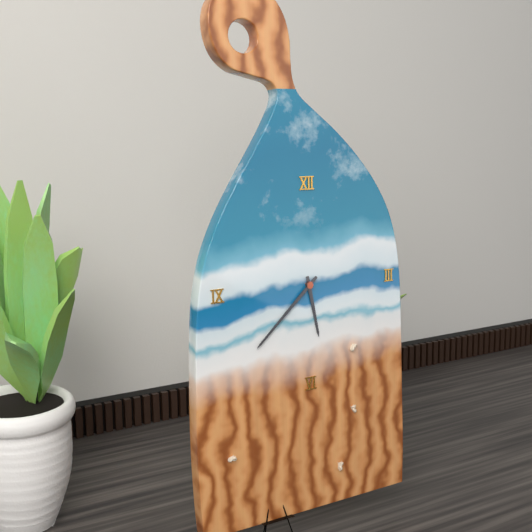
5:38
